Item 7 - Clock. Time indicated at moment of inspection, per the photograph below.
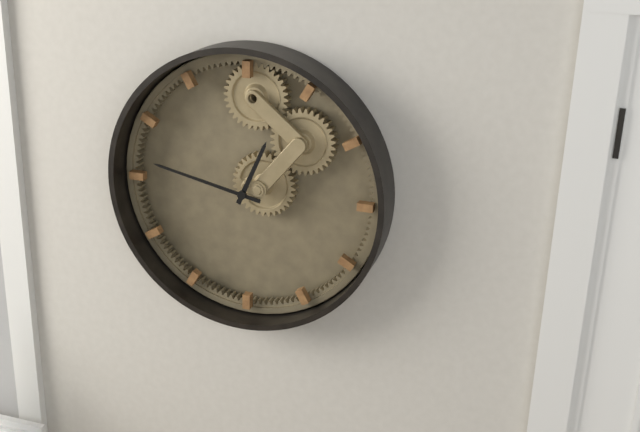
12:47
